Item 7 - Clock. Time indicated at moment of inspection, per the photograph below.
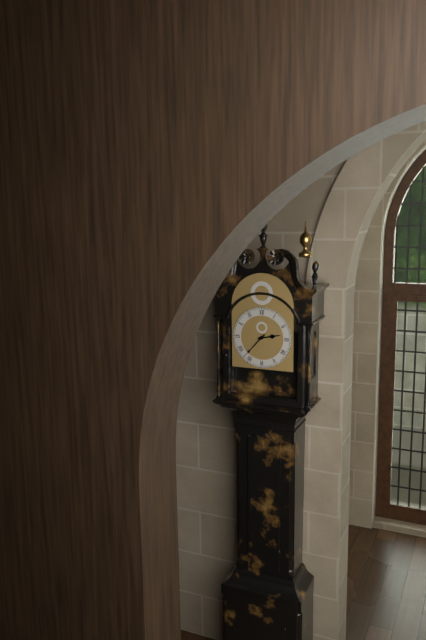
2:37
